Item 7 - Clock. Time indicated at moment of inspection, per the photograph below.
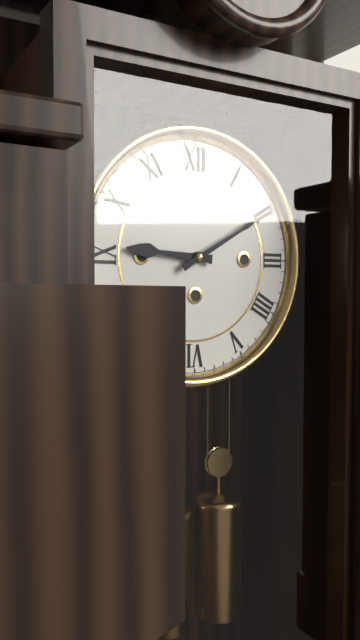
9:10
